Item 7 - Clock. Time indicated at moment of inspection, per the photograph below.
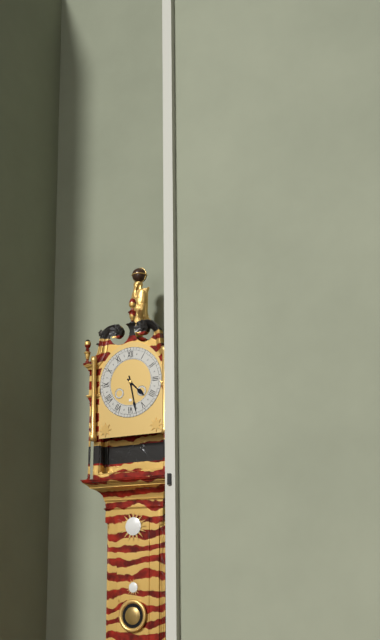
4:28
